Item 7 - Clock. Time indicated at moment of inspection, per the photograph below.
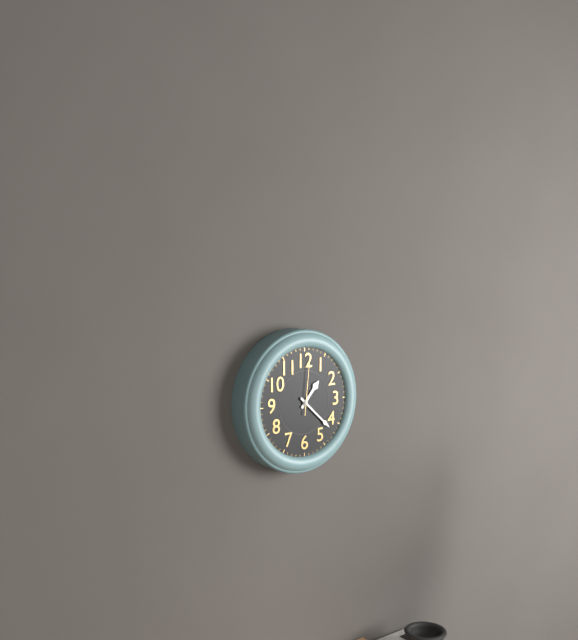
1:22:01
